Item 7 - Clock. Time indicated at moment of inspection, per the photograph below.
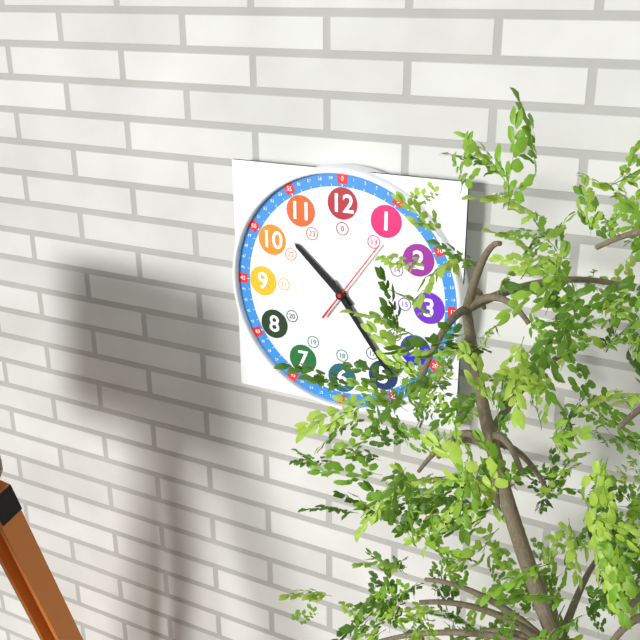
10:24:06
